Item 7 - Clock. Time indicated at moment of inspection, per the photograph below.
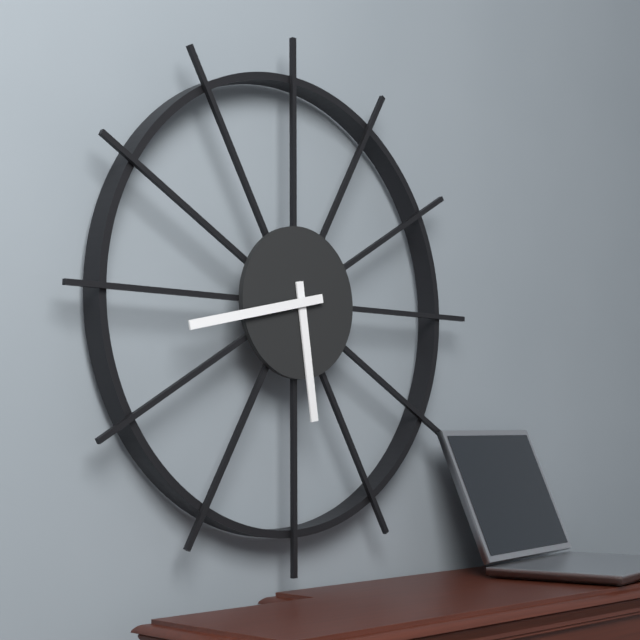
5:43
